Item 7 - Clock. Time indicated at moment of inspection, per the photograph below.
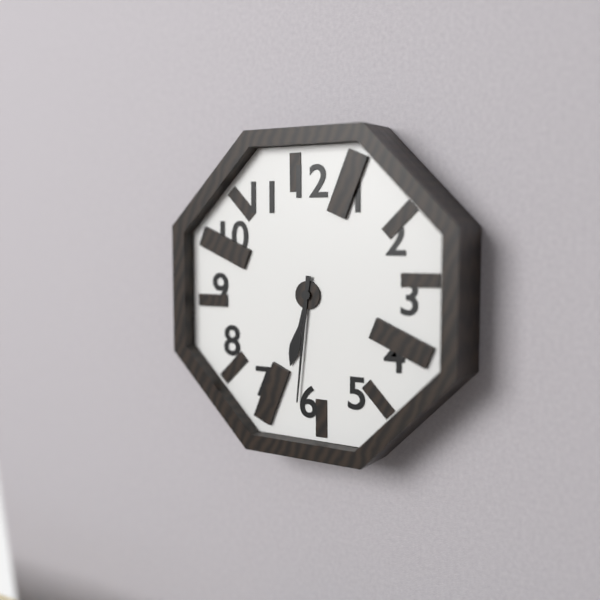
6:31
